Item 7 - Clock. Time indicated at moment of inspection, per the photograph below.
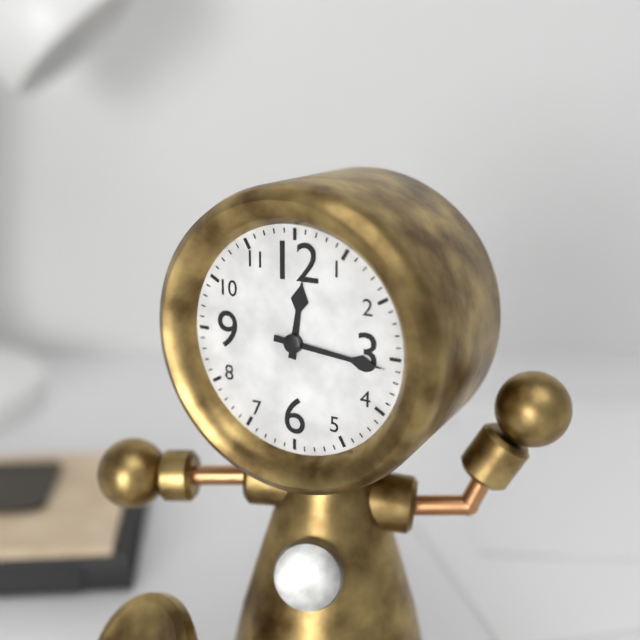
12:16
